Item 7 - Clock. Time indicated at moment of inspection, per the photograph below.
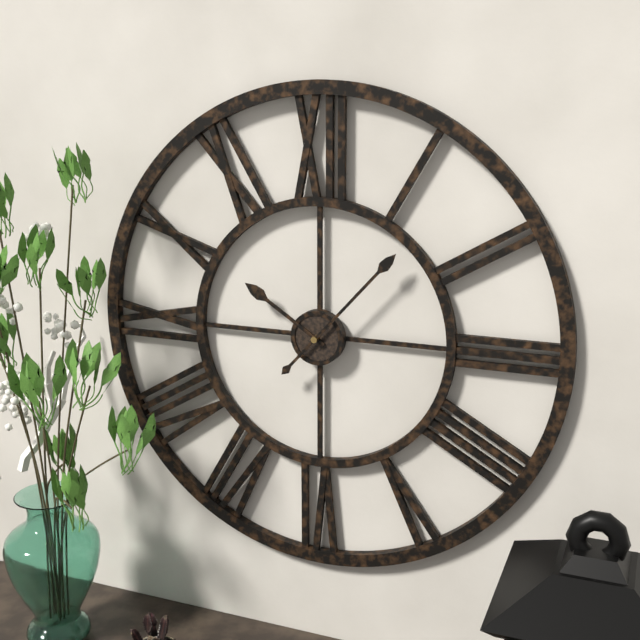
10:07
